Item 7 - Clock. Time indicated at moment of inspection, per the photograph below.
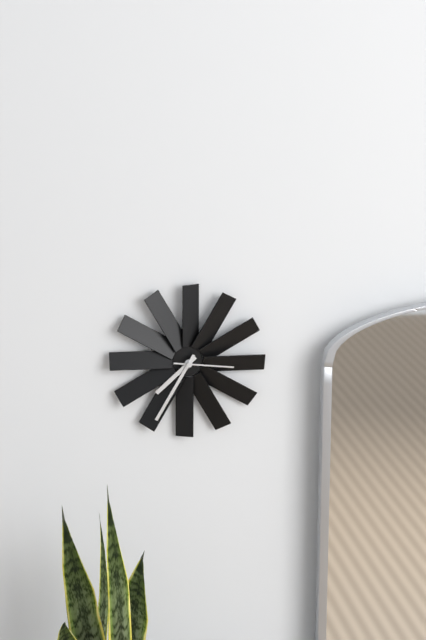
7:35:16
